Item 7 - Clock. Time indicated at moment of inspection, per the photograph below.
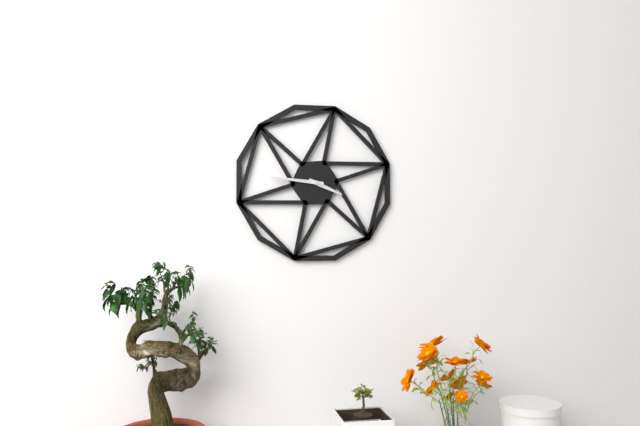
3:46
